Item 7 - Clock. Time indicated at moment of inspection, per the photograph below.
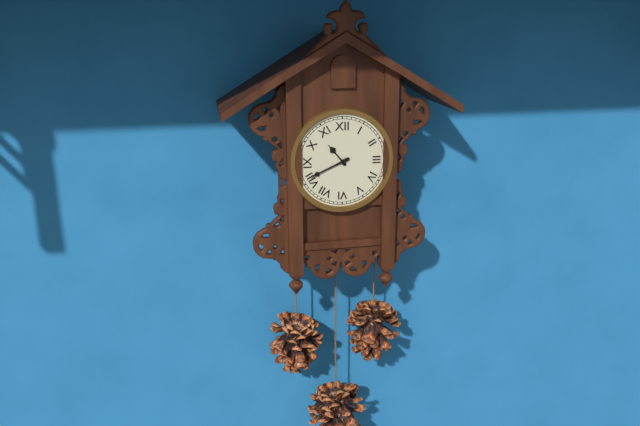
10:41
